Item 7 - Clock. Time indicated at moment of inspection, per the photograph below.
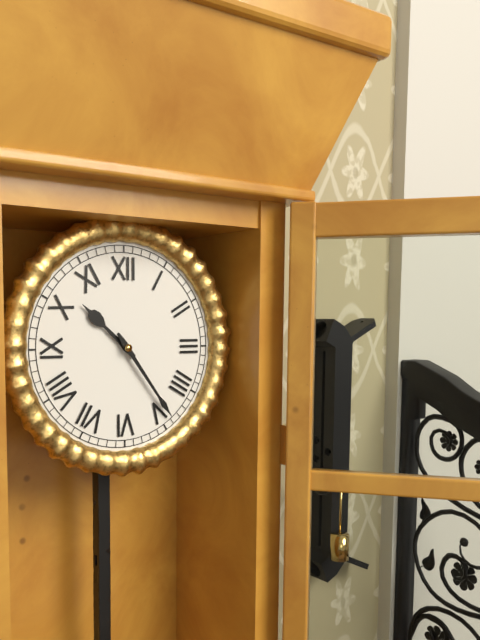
10:24
